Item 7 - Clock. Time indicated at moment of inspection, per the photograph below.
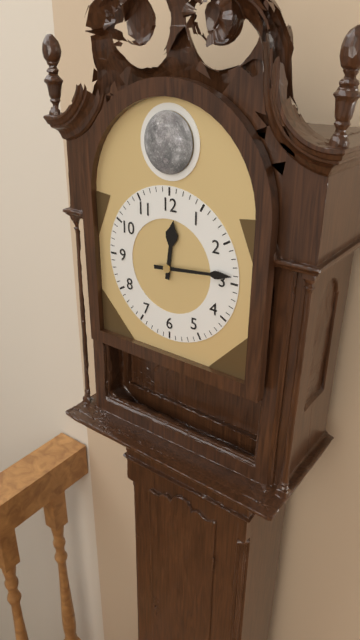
12:14
